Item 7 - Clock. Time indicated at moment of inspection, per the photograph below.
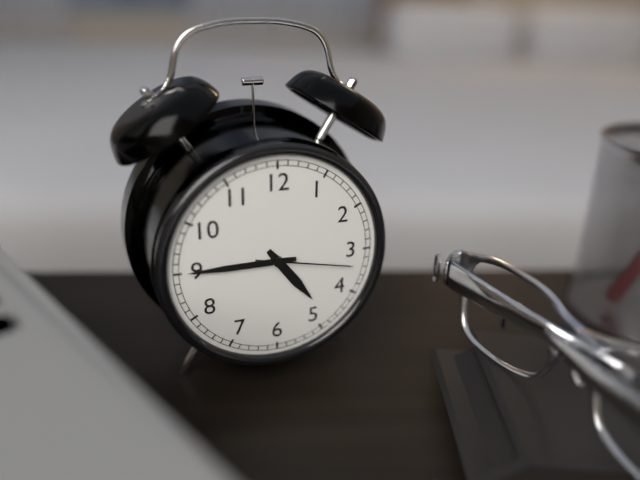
4:45:17
